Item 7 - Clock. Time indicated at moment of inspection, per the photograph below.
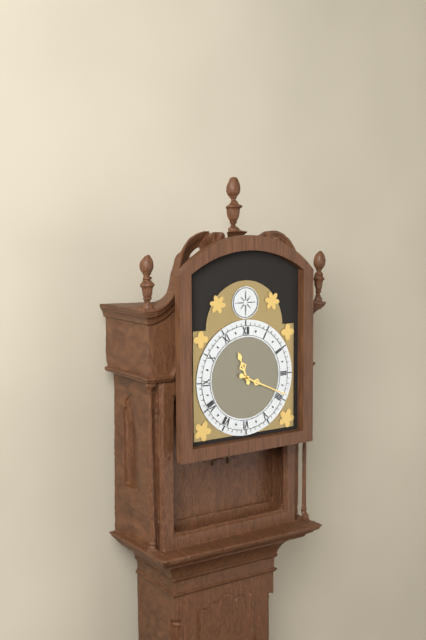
11:19
